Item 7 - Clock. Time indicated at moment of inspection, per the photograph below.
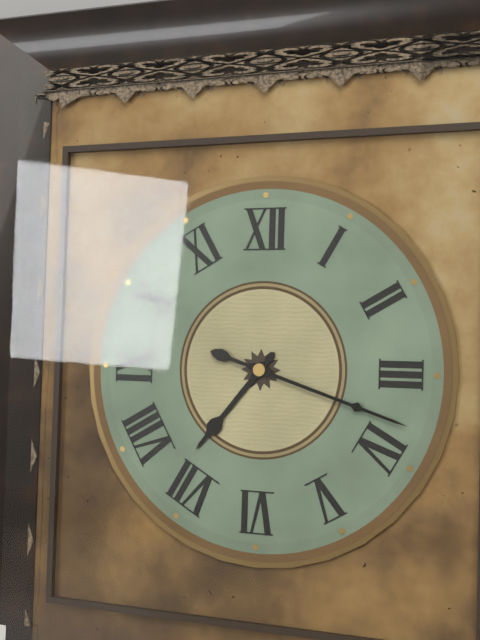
7:18
